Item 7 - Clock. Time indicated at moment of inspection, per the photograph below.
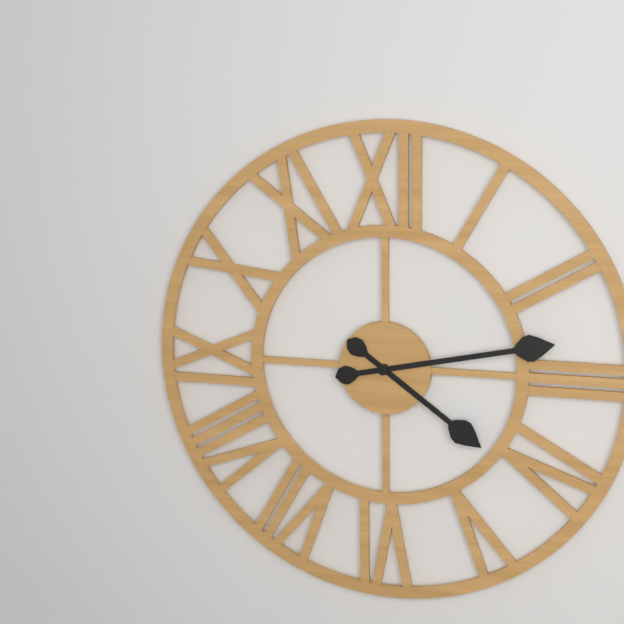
4:13
